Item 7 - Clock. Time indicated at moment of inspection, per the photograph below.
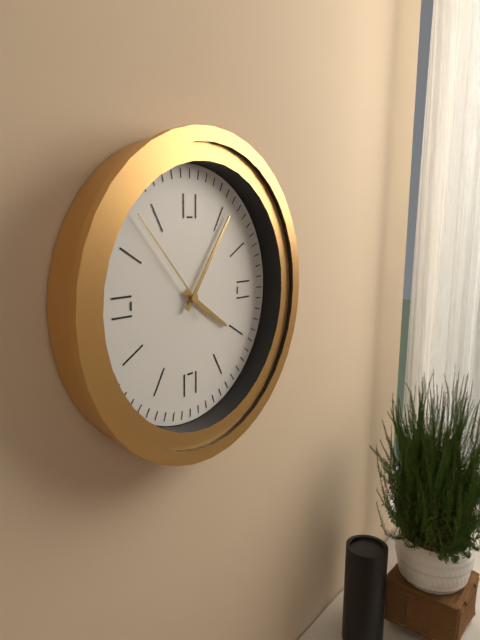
4:06:53
